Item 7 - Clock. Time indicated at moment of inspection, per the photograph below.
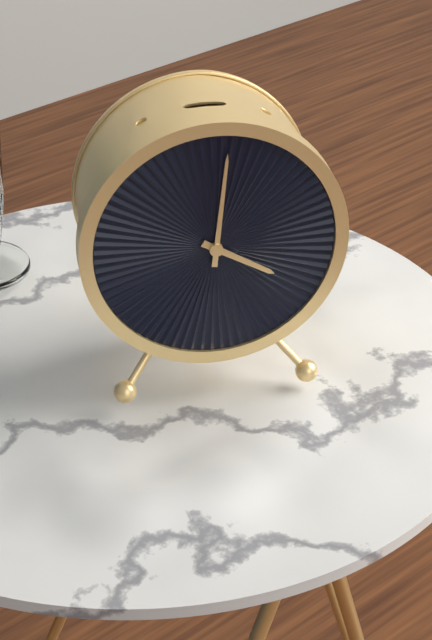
4:01
